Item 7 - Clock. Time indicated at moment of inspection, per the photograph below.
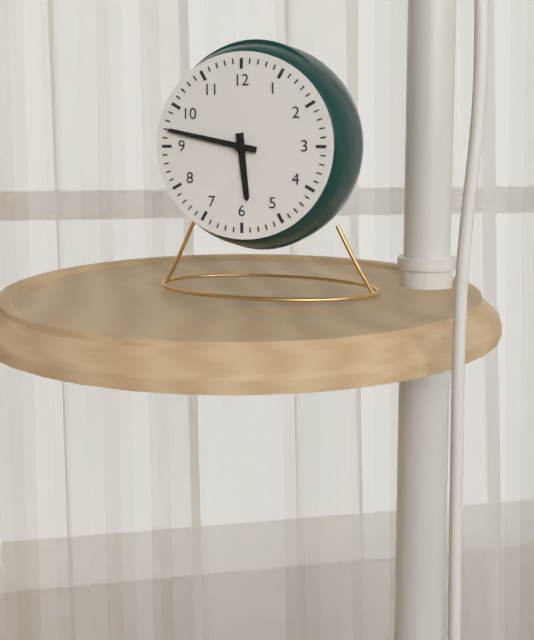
5:47
